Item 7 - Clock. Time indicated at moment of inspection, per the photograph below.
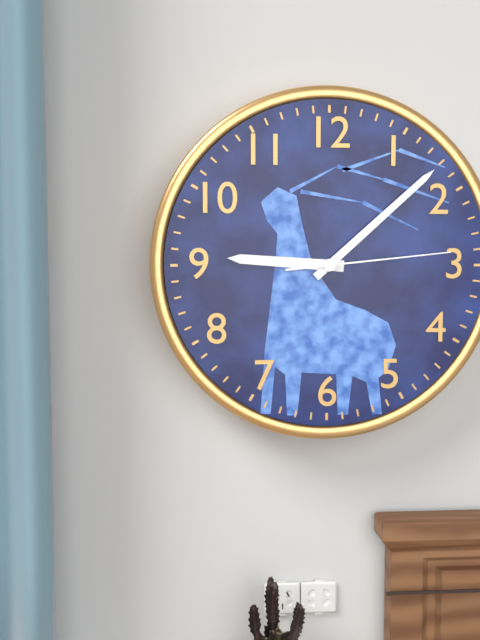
9:08:14
